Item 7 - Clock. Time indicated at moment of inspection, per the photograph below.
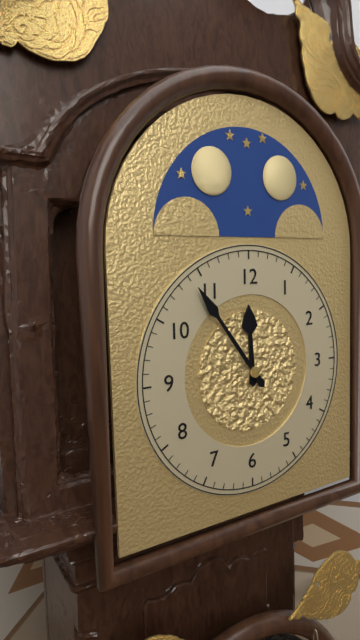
11:54
